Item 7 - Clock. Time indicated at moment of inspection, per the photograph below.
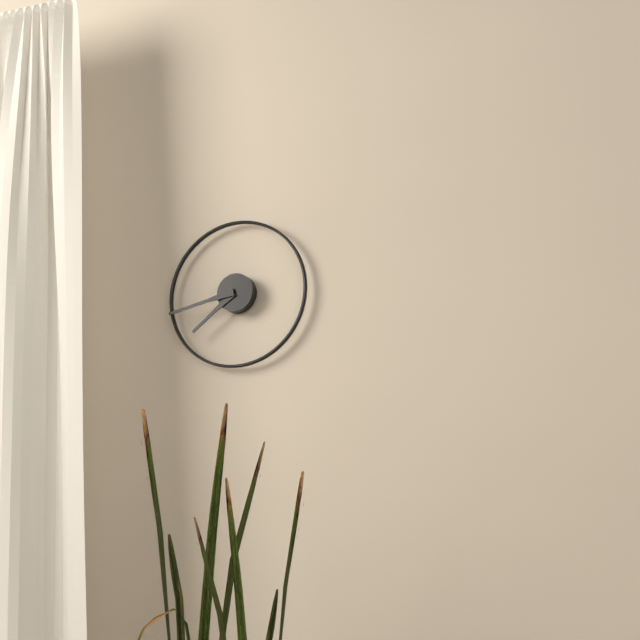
7:43
